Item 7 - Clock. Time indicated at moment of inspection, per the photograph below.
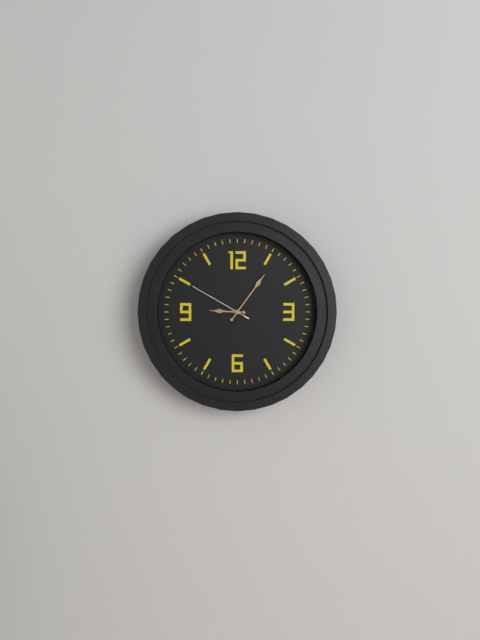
9:06:50
